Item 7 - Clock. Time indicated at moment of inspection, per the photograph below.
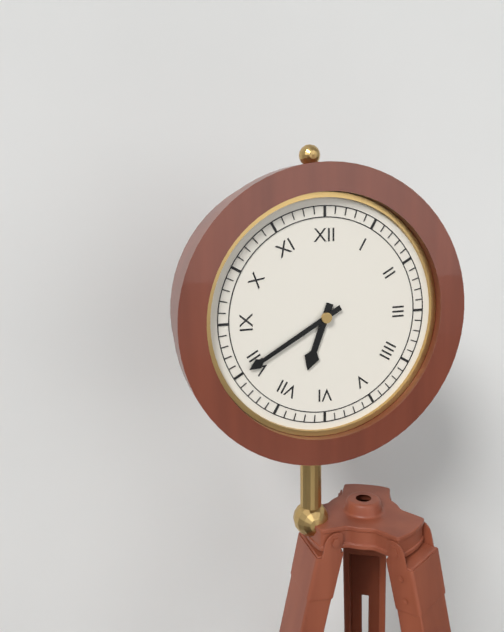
6:40
